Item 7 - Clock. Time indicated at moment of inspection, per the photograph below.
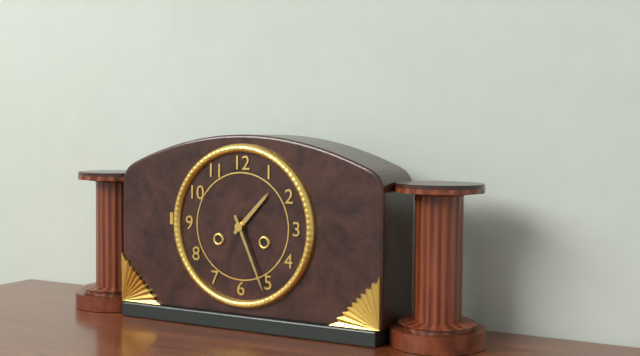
1:26
